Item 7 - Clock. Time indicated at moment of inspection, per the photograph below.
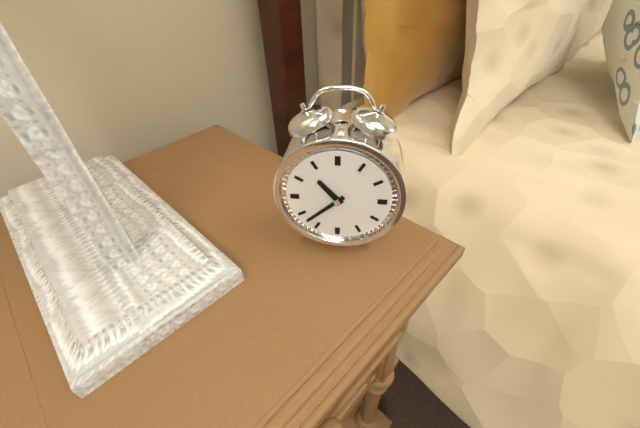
10:38
